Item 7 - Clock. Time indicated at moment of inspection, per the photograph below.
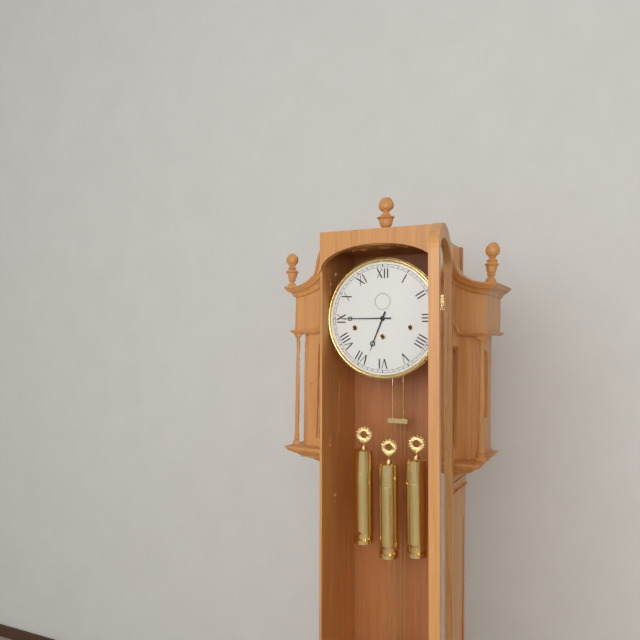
6:45
